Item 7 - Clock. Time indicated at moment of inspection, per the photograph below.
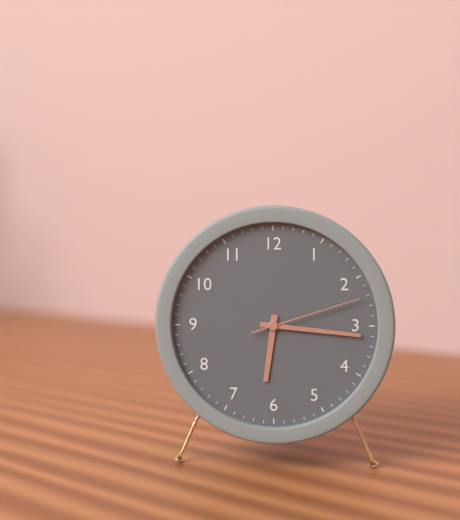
6:16:12
